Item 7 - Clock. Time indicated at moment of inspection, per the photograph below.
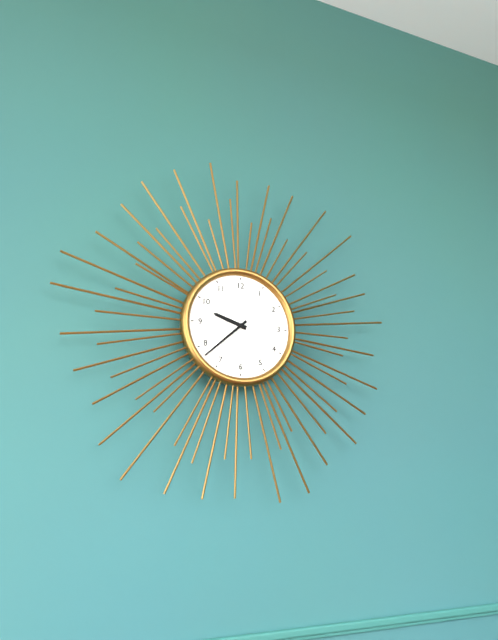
9:38
